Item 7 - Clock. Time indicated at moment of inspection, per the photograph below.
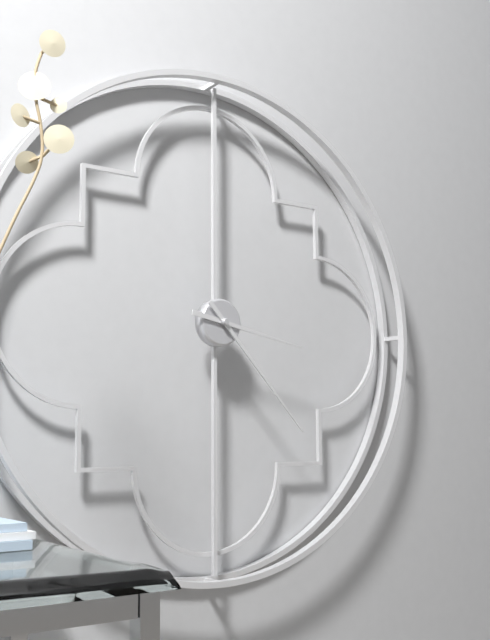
3:23
